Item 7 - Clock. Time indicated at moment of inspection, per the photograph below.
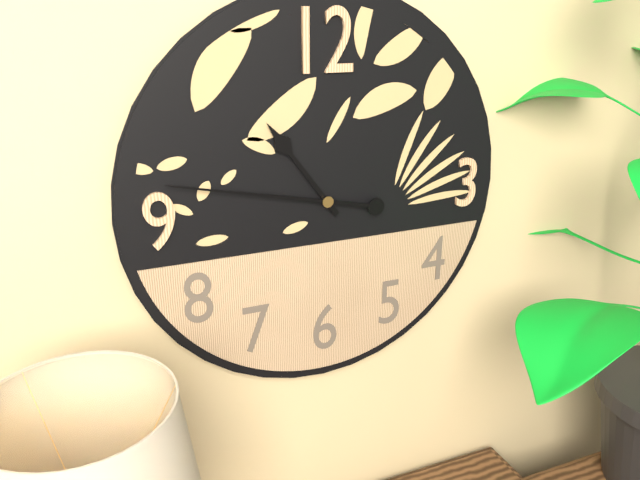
10:47
